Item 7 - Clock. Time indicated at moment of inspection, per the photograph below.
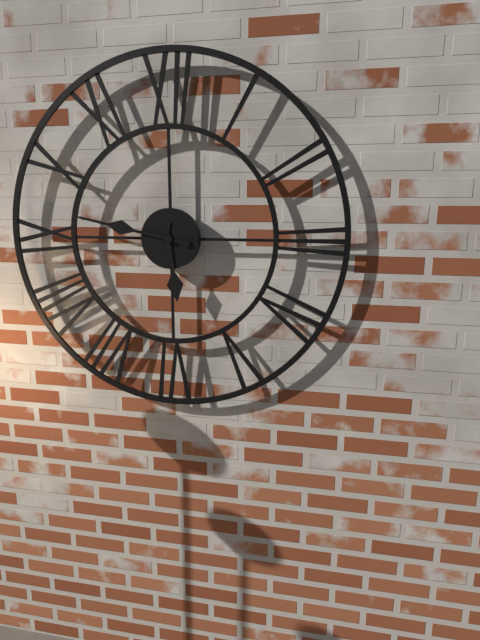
5:47
